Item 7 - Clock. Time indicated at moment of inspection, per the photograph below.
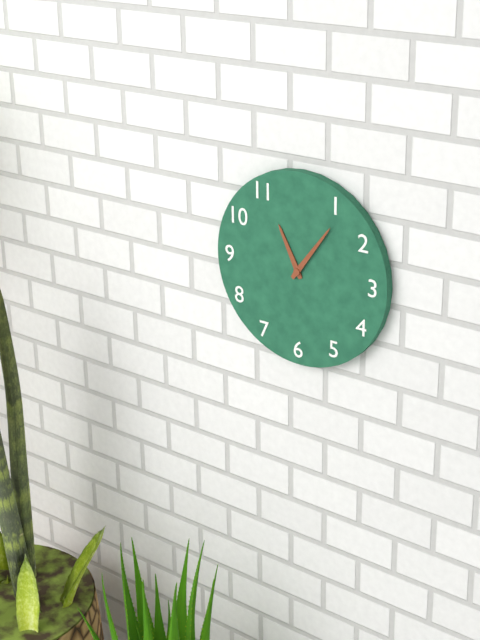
11:06
